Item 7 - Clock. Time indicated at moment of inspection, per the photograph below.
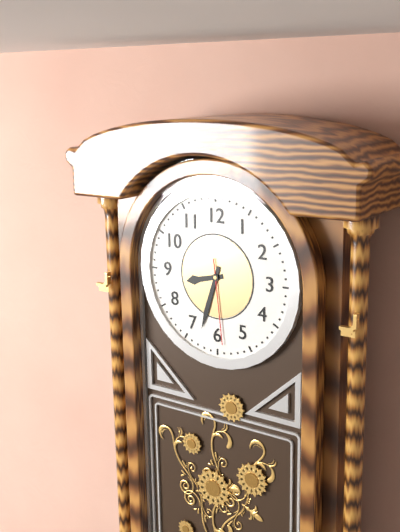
8:33:29
